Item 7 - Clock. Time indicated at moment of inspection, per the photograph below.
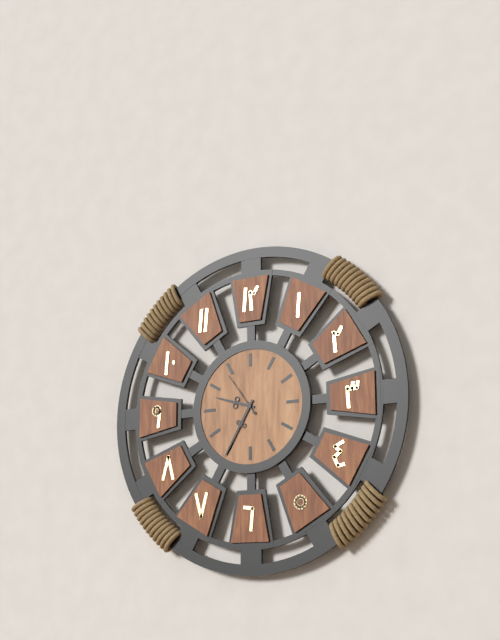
9:35
